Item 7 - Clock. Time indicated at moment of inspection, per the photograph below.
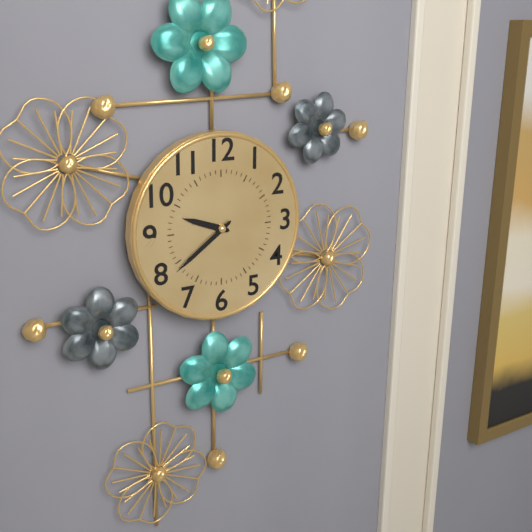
9:39
